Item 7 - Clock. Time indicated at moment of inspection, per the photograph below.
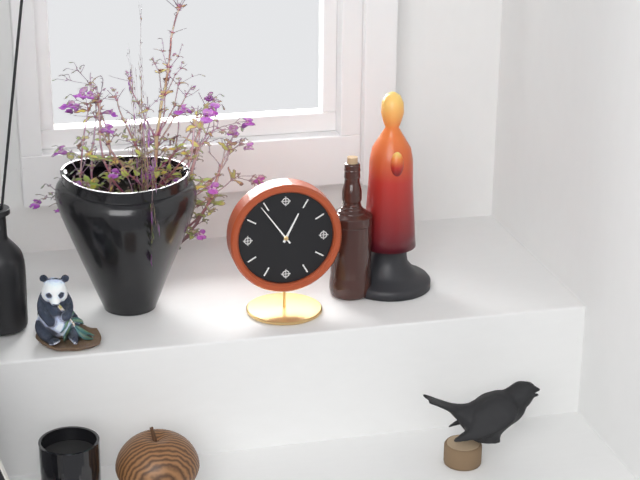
12:54
